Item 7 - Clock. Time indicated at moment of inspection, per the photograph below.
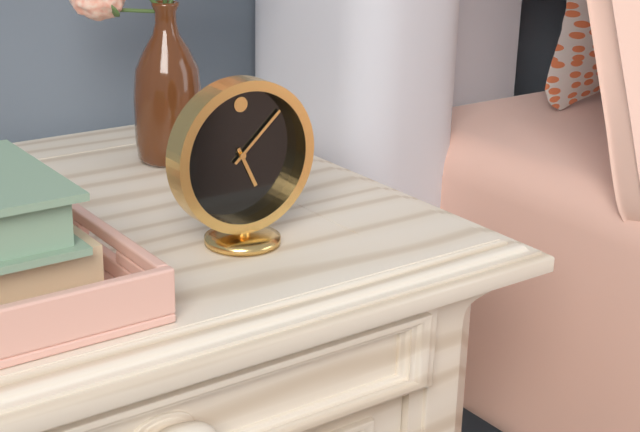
5:08
